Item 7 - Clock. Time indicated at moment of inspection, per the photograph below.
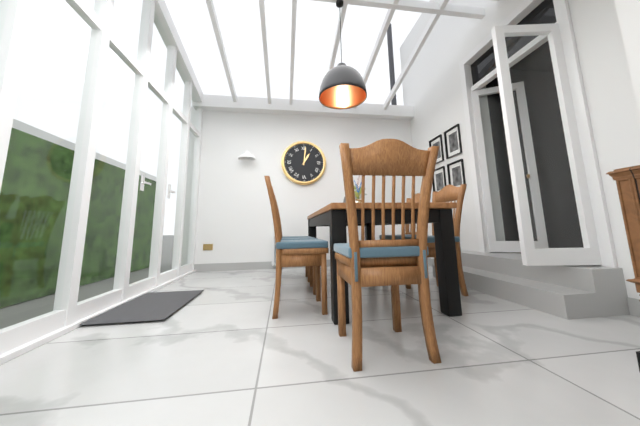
1:01
